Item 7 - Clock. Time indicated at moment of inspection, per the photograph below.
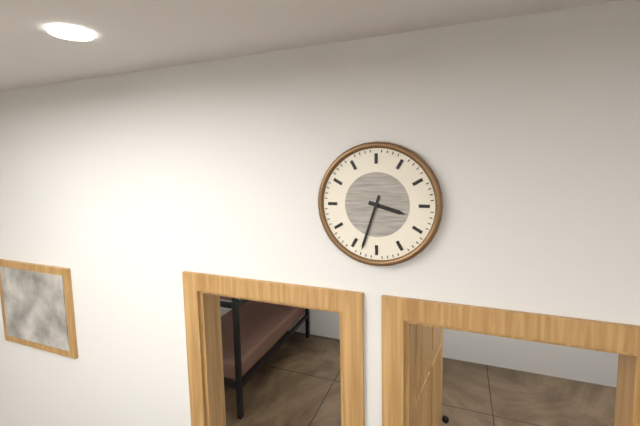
3:33
